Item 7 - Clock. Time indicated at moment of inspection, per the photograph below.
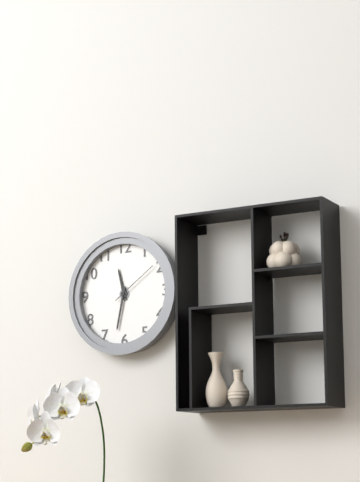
11:32:09
